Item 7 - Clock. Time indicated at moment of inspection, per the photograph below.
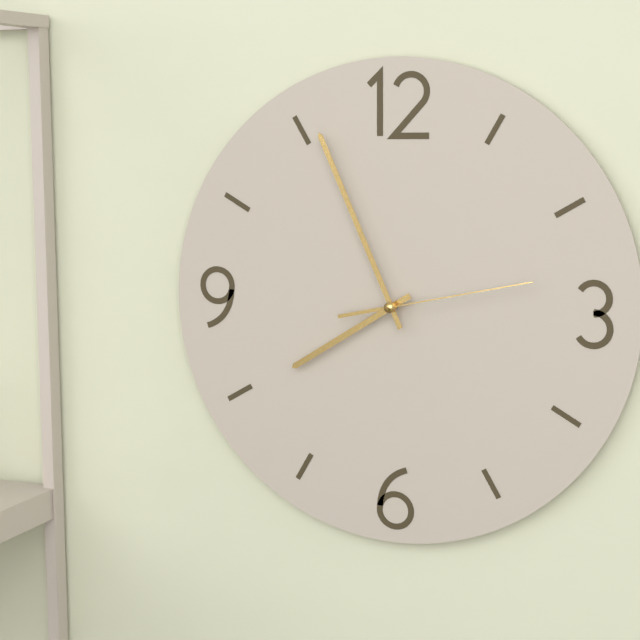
7:56:13
